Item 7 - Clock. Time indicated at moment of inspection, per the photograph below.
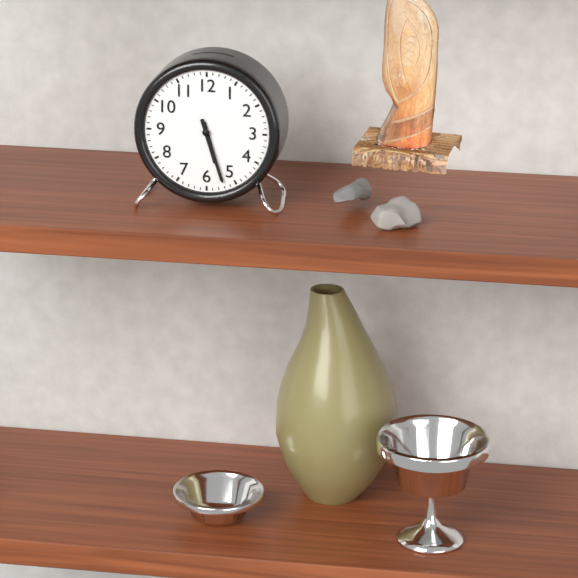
5:27
